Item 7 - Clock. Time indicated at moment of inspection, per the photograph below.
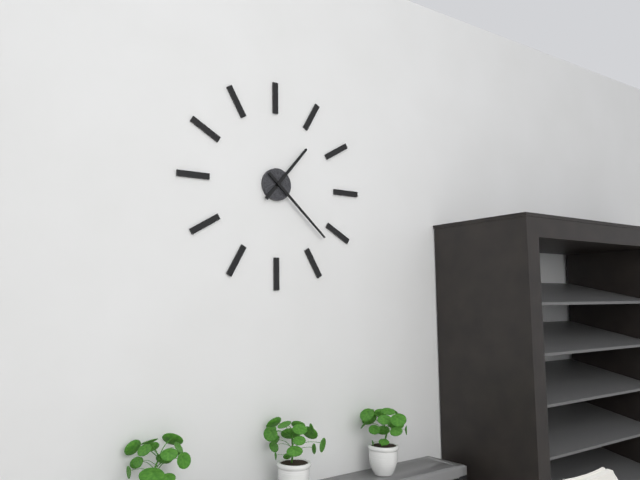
1:22
